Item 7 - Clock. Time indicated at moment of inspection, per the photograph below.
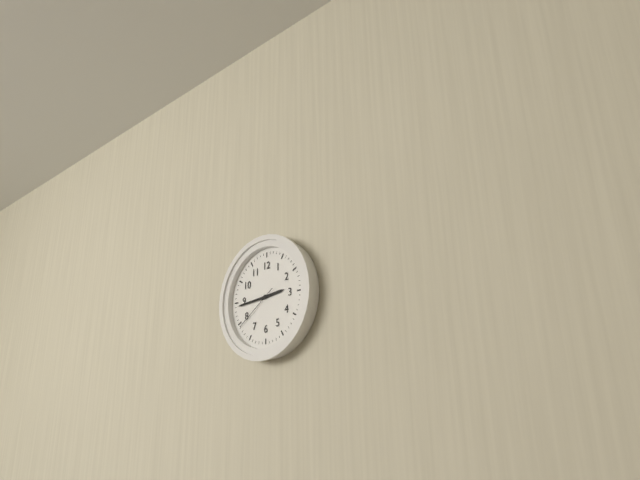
2:44
